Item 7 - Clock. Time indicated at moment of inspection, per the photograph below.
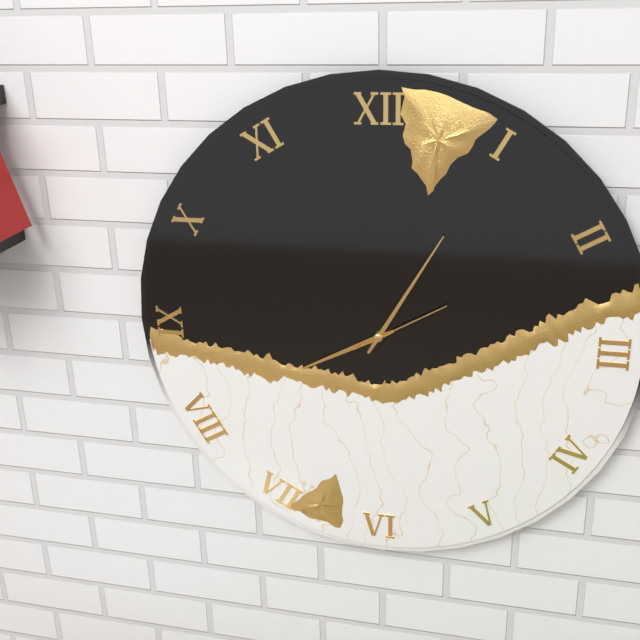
8:05:10
